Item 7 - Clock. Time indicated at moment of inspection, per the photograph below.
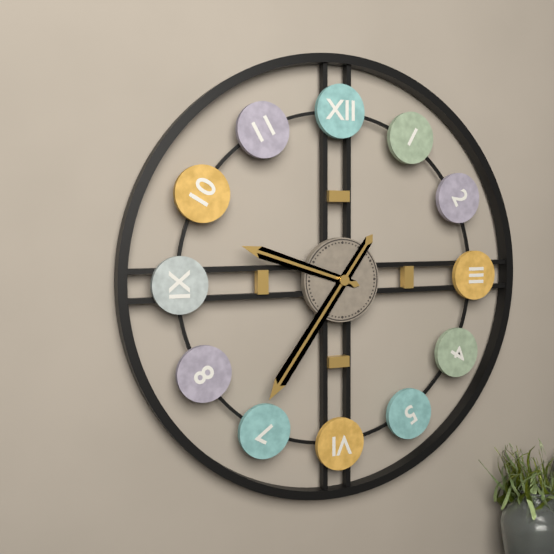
9:36
